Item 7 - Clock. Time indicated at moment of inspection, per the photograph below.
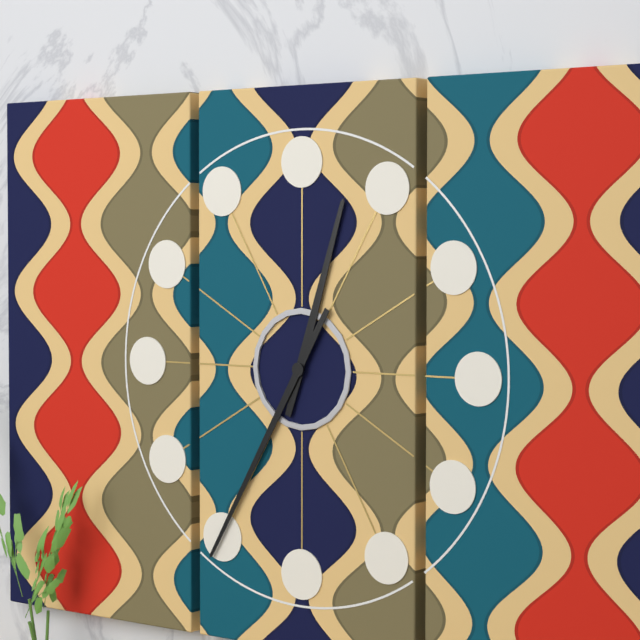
12:35
